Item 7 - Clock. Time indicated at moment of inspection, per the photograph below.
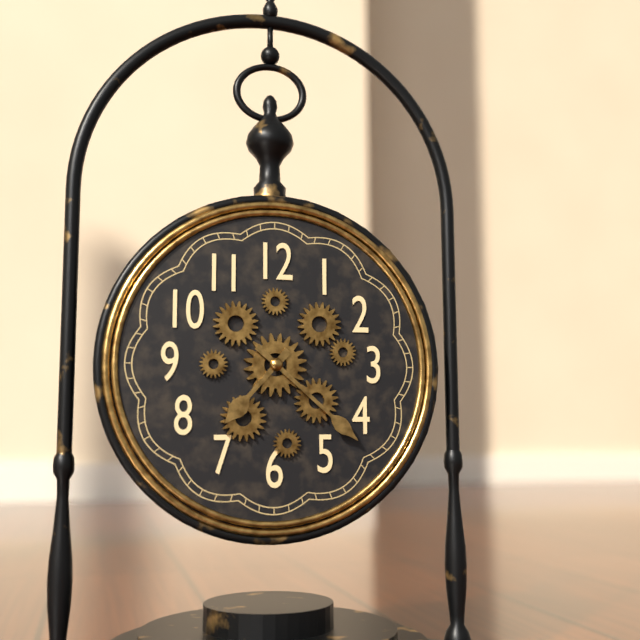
7:22
